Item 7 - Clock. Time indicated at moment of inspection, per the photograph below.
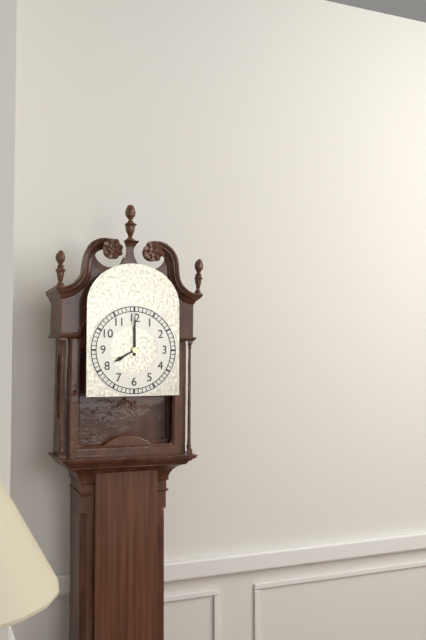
8:00
